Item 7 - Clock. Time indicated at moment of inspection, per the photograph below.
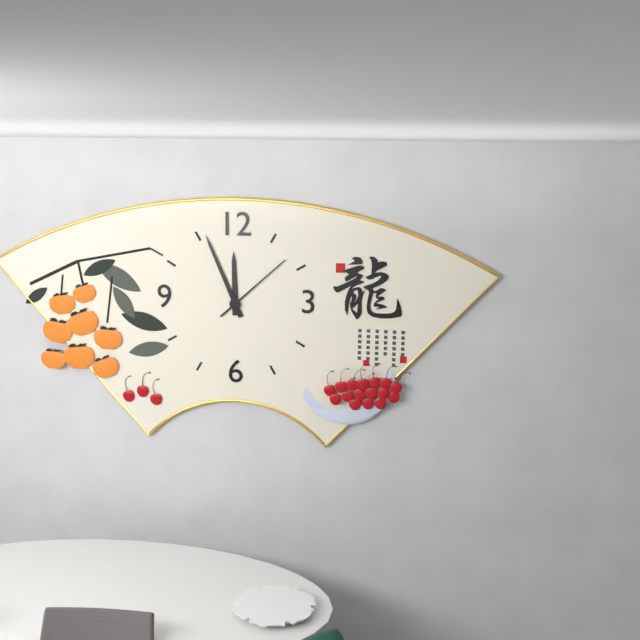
11:56:08
